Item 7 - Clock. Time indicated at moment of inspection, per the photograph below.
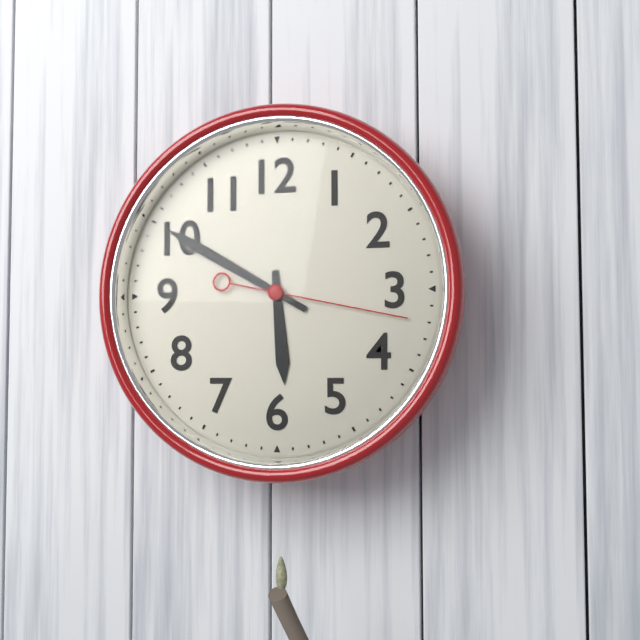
5:50:17
